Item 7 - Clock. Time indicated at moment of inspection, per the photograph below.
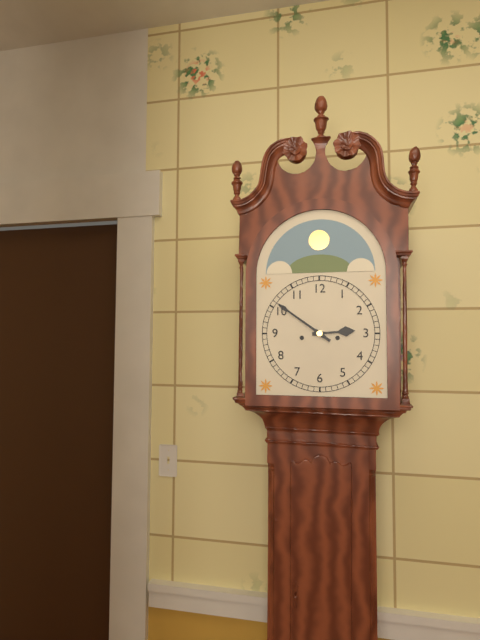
2:51
